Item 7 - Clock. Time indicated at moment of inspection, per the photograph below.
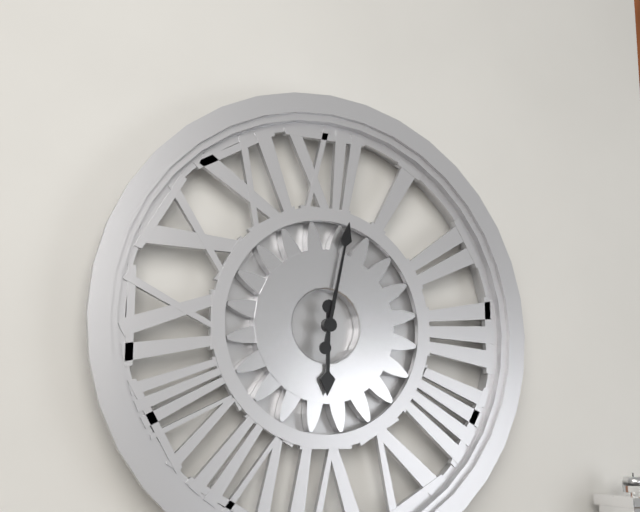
6:02
